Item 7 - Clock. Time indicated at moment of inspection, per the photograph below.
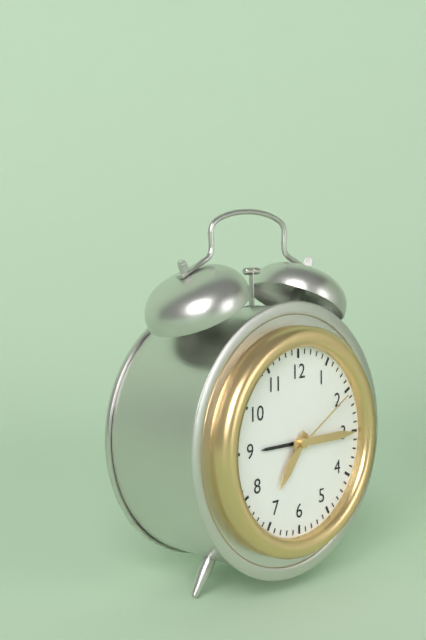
7:15:10
